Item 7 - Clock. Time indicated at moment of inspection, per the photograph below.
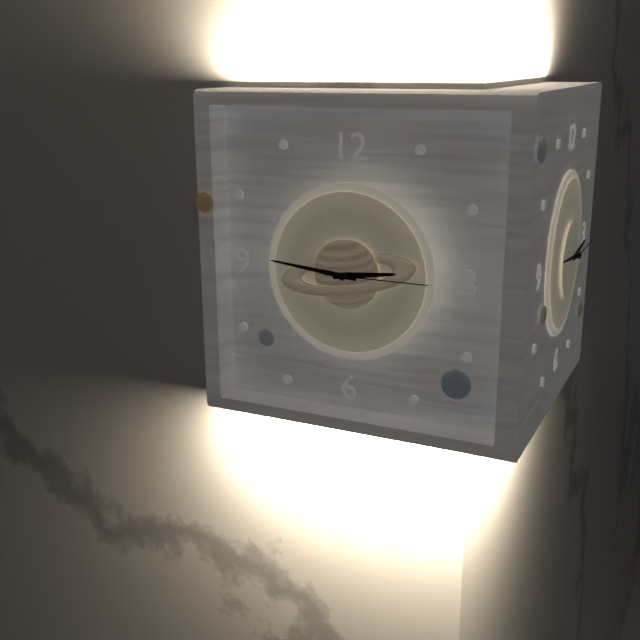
2:46:15
